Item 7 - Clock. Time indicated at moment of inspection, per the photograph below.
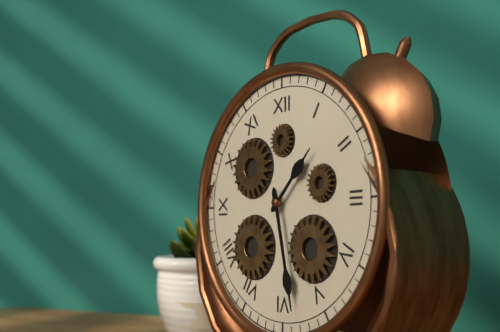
1:28
